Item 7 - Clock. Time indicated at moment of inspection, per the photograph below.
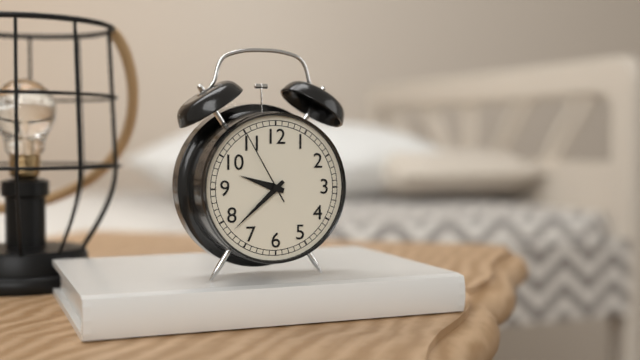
9:38:55
